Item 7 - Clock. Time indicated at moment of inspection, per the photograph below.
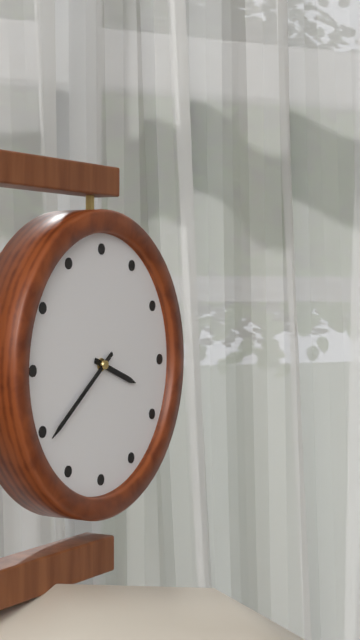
3:39
